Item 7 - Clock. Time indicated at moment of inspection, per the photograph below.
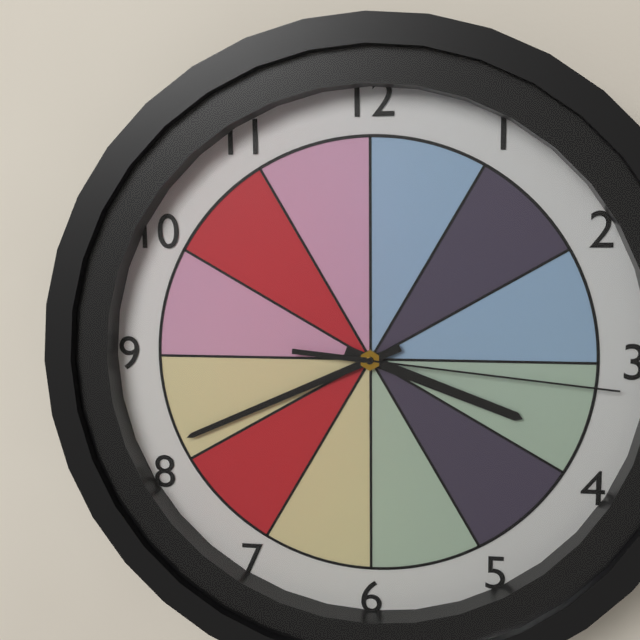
3:41:16
